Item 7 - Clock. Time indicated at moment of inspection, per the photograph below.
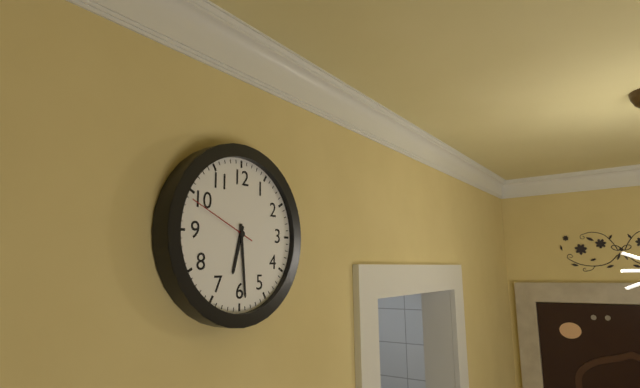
6:29:49
